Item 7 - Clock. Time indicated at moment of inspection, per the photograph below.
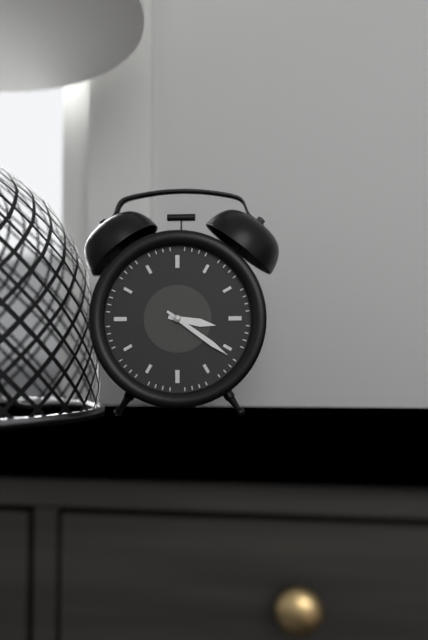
3:21
